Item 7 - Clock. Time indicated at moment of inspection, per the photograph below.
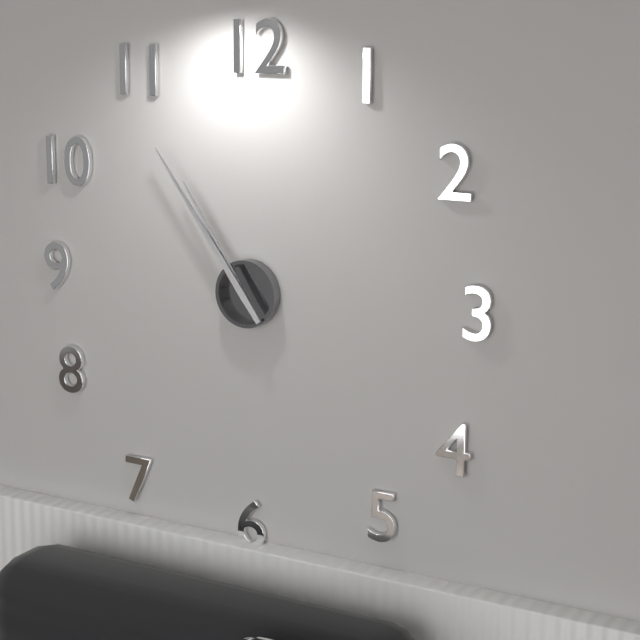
10:54
